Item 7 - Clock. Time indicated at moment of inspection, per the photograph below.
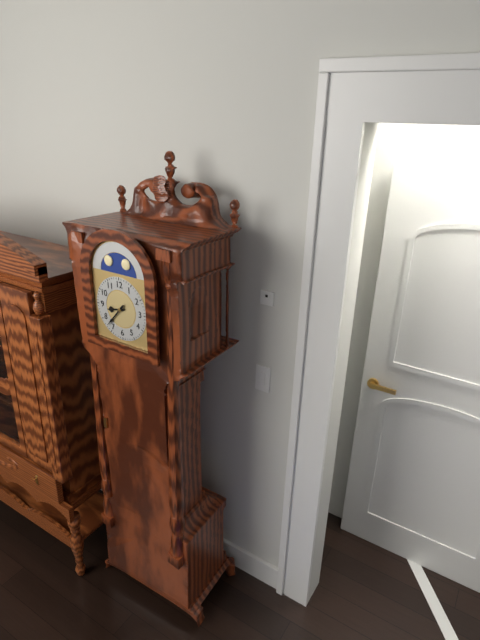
8:37
